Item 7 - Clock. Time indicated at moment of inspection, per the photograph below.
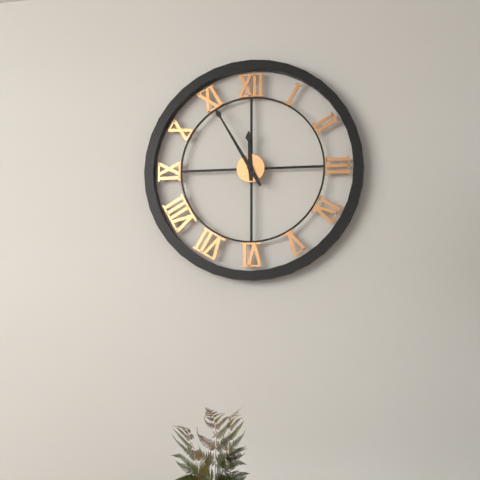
11:55
